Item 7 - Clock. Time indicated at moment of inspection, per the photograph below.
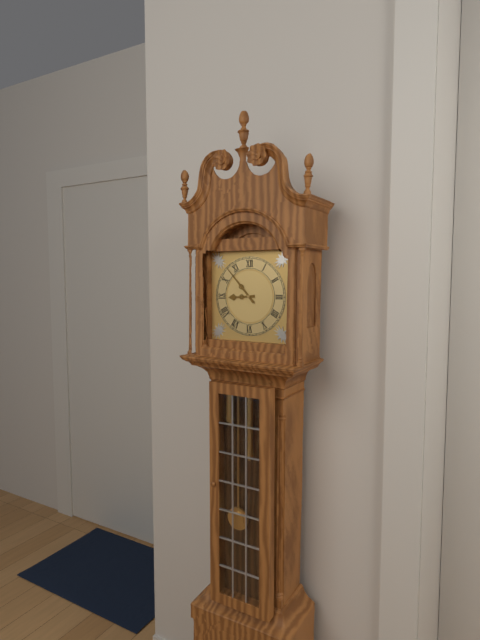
8:53
